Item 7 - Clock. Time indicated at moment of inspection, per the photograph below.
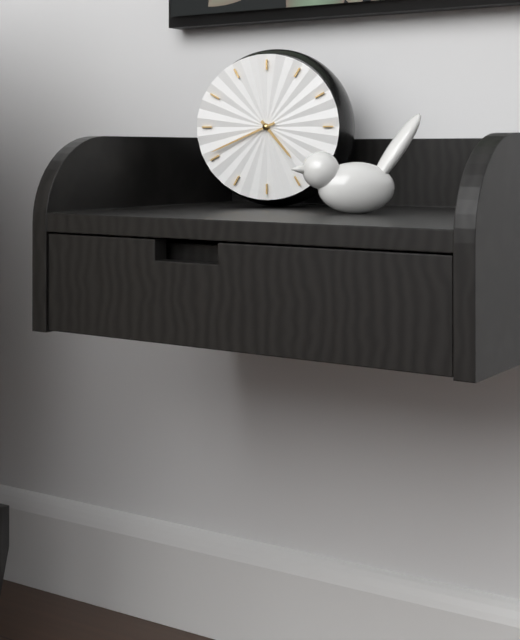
4:41
